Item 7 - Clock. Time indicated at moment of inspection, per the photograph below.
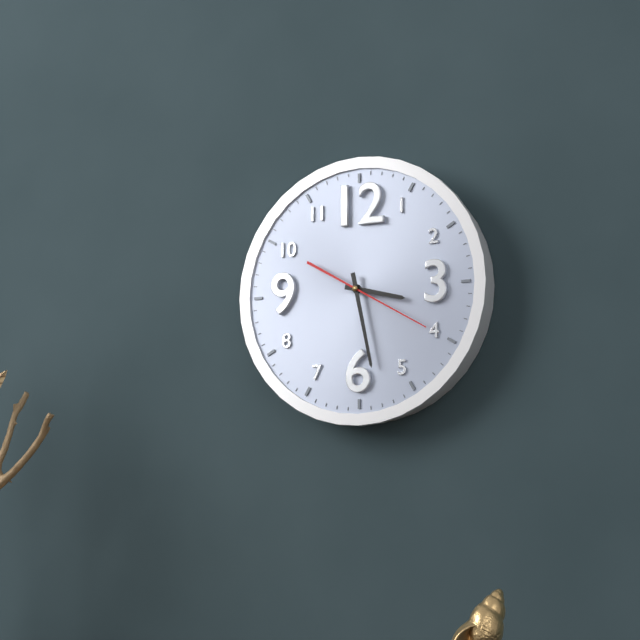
3:28:20
